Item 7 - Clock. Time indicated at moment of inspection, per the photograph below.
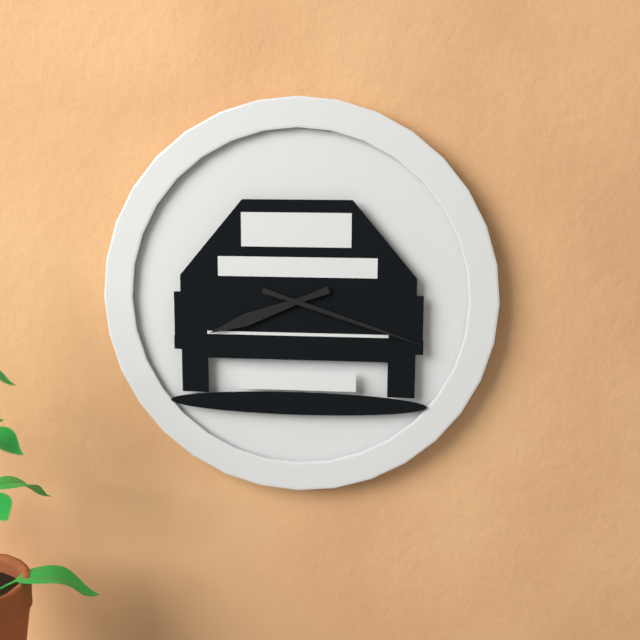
8:18
